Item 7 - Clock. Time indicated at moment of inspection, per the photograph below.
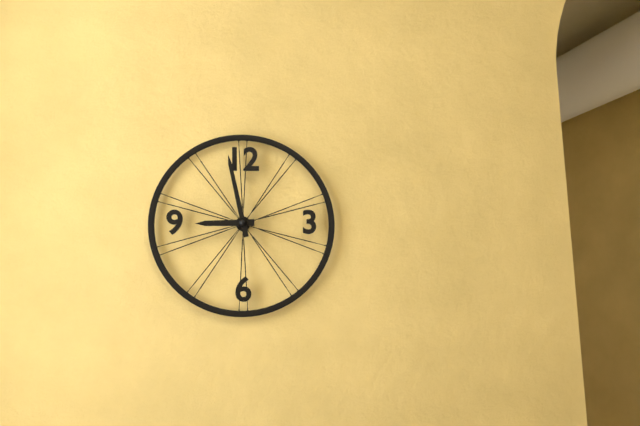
8:58
